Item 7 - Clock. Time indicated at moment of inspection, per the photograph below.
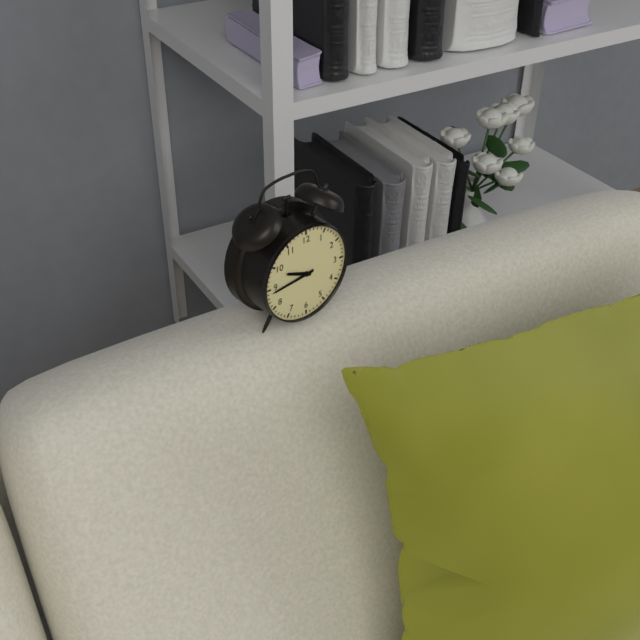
9:44
